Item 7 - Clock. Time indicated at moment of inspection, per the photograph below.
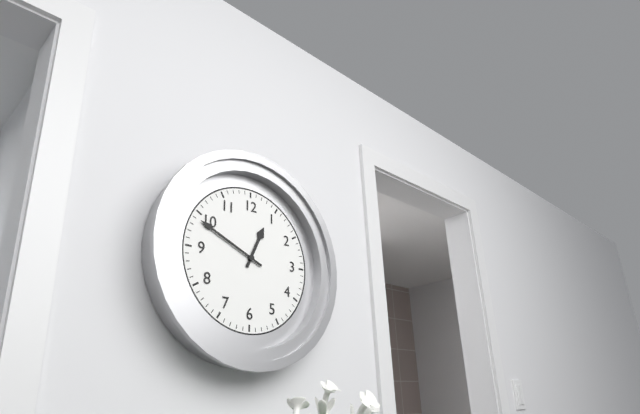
12:49
